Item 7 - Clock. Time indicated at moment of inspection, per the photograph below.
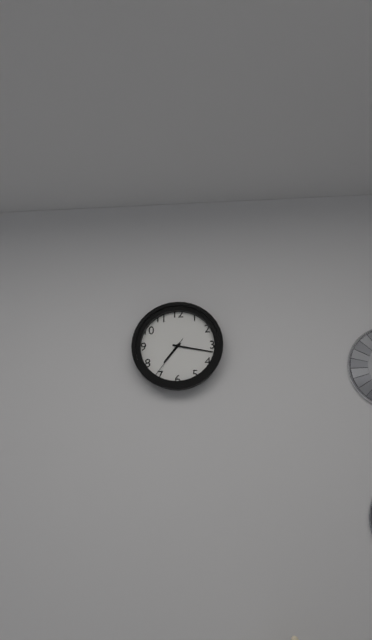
7:17
